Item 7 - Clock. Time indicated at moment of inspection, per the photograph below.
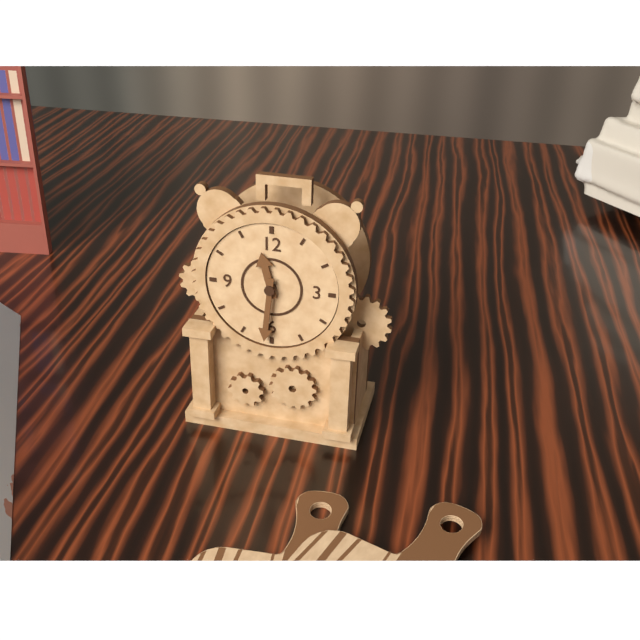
11:31
